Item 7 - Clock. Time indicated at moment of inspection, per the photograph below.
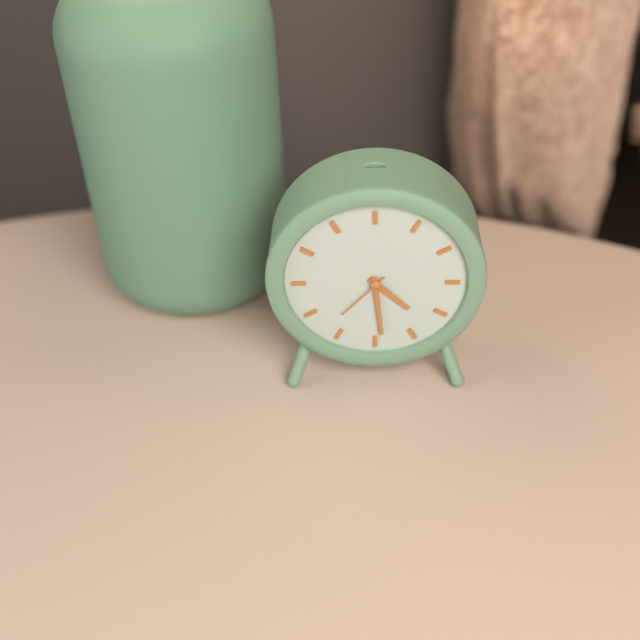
4:29:37
